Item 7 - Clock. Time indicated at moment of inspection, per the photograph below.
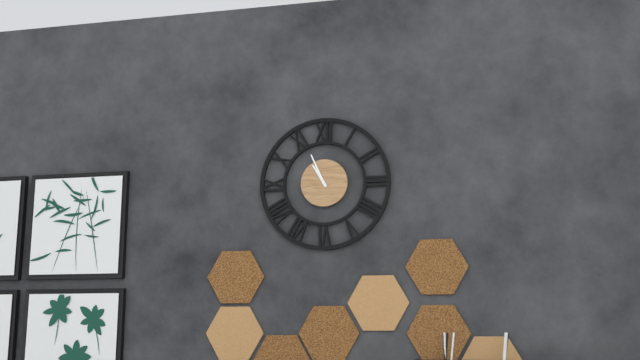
10:56
